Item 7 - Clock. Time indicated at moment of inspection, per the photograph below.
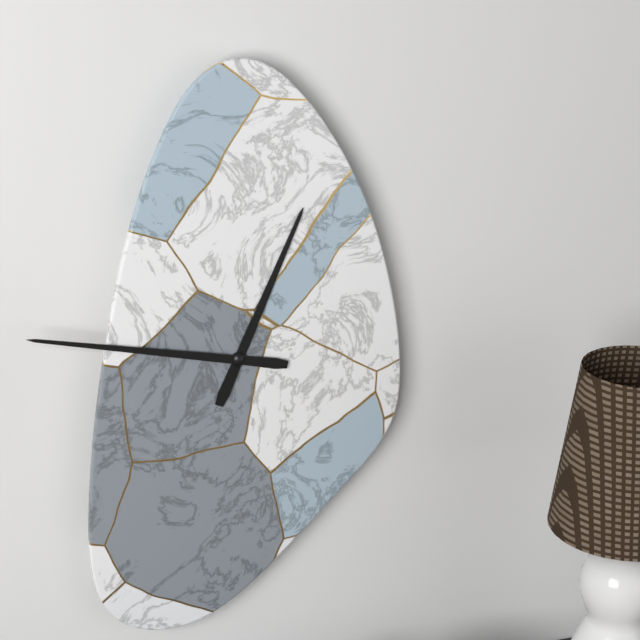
12:47
